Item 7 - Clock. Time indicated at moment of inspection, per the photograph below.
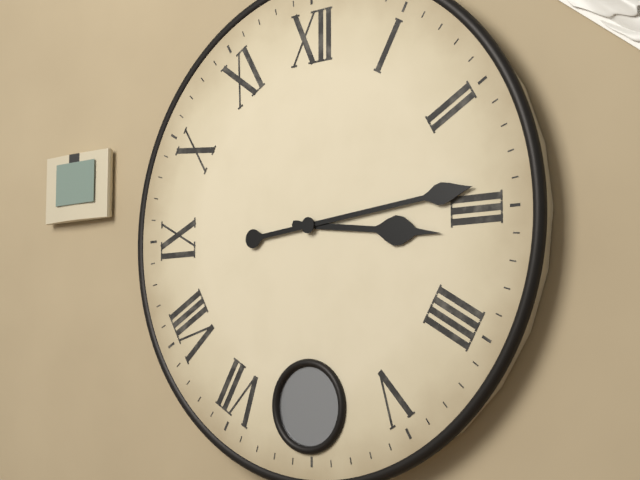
3:14
